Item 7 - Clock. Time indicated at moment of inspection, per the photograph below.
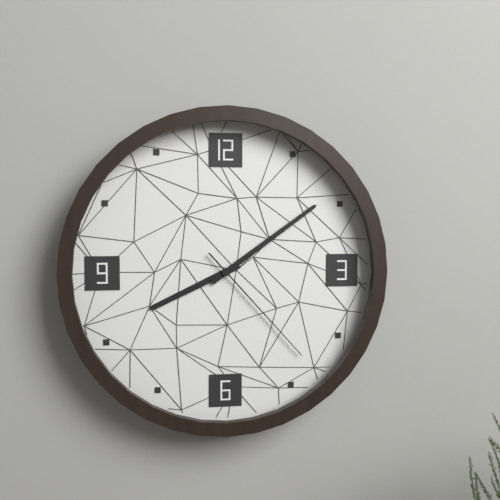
8:09:23
